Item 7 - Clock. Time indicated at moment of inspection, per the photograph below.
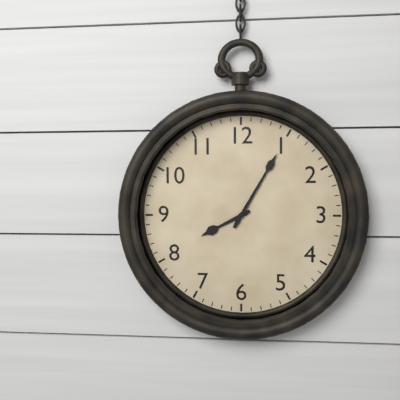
8:05
